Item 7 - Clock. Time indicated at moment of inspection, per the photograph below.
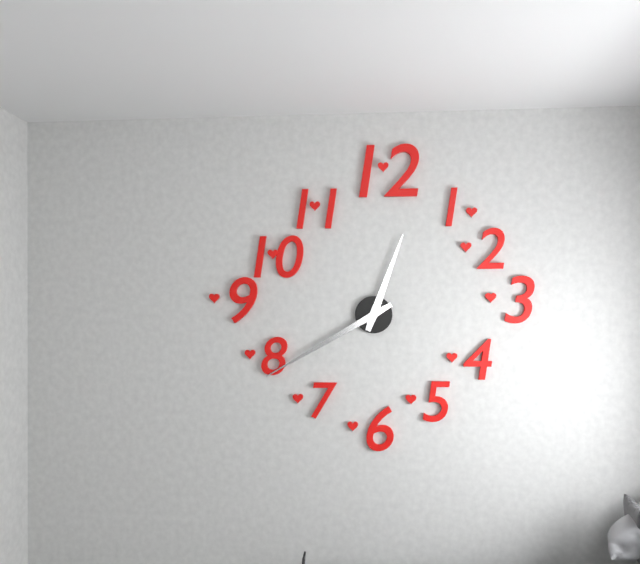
12:40
